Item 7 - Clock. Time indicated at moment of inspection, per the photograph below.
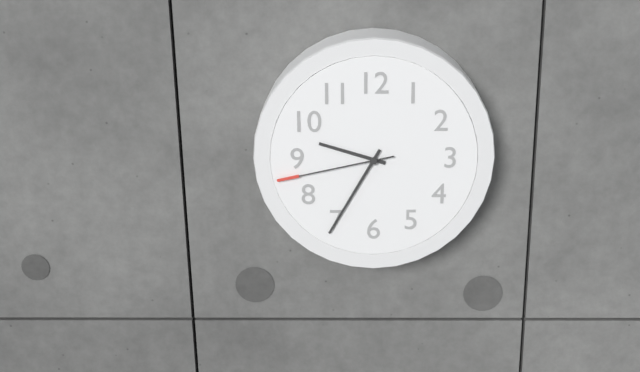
9:35:43
